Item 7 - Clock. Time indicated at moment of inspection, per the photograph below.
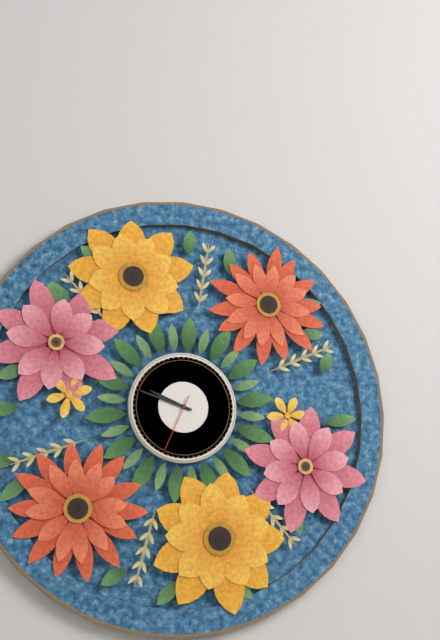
9:48:34
